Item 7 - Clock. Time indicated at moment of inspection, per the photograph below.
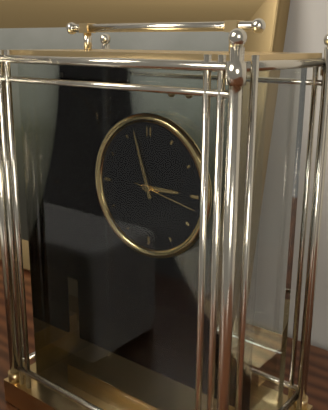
2:57:17
